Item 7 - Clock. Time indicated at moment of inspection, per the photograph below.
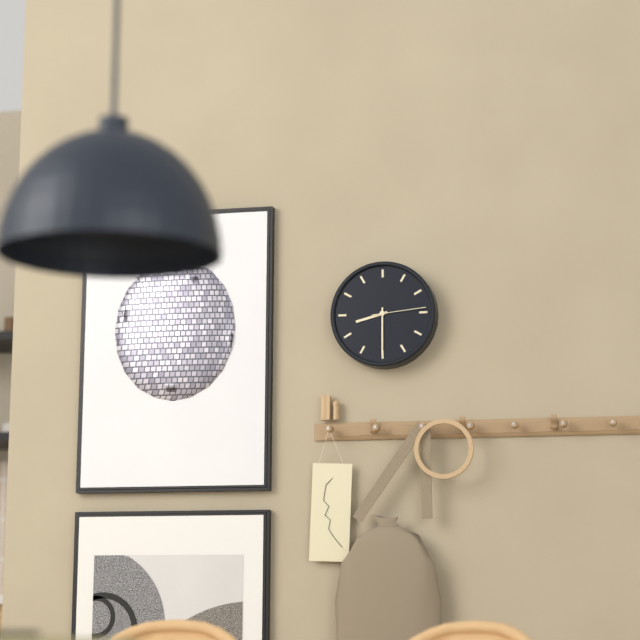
8:30:14
